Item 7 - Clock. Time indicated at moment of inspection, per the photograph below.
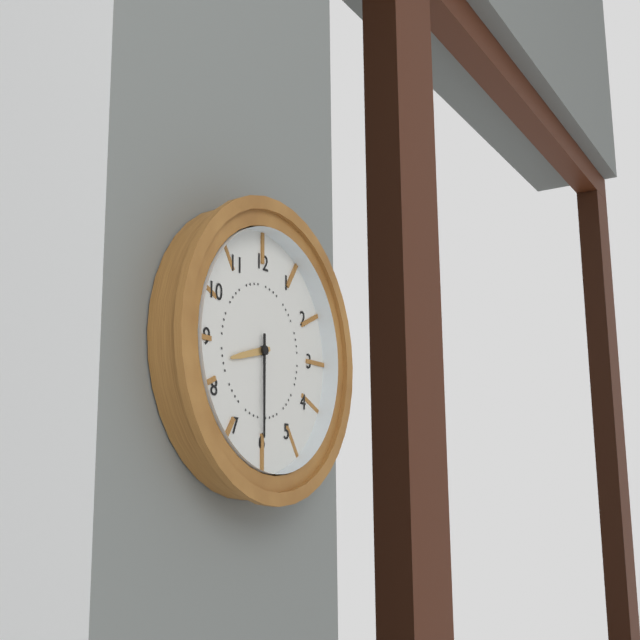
8:30
